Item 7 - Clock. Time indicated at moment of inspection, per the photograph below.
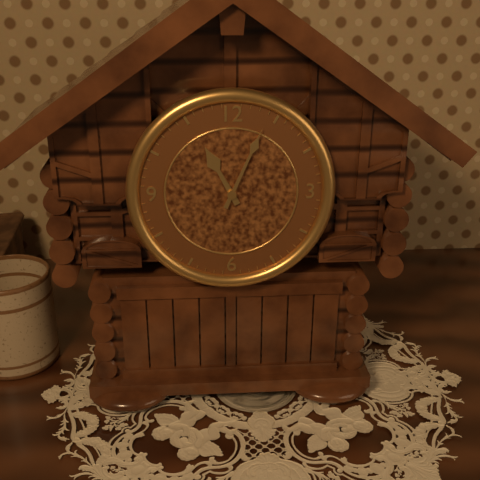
11:04
